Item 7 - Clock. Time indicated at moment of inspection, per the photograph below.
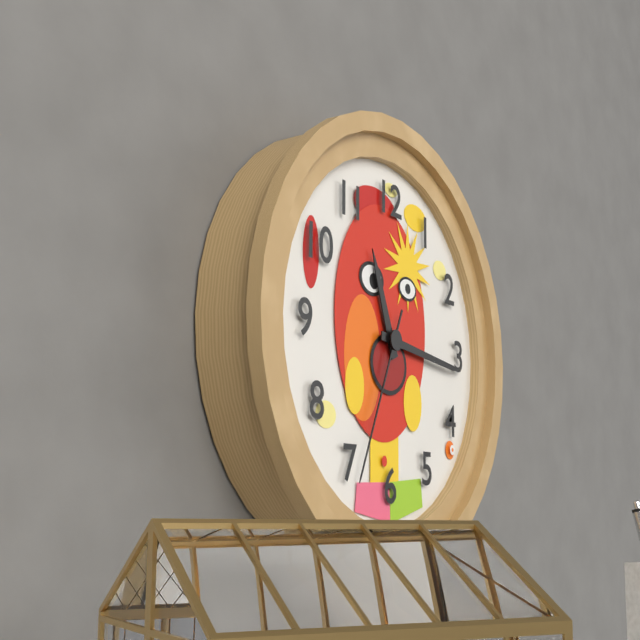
11:16:34
